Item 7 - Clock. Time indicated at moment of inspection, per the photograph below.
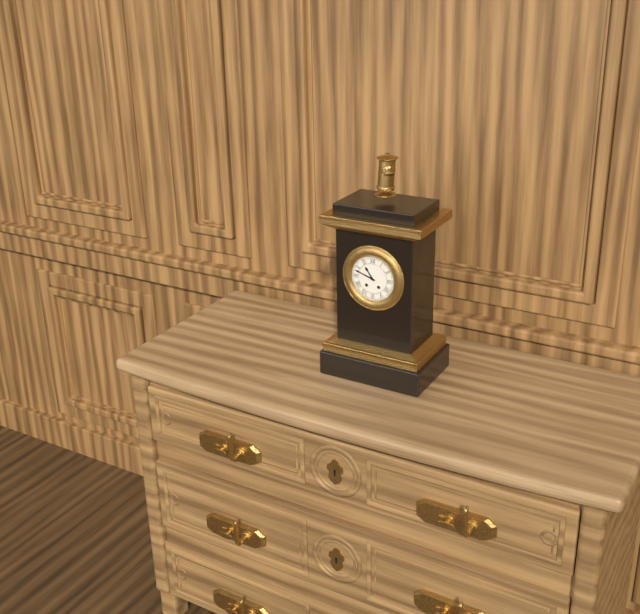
10:48
